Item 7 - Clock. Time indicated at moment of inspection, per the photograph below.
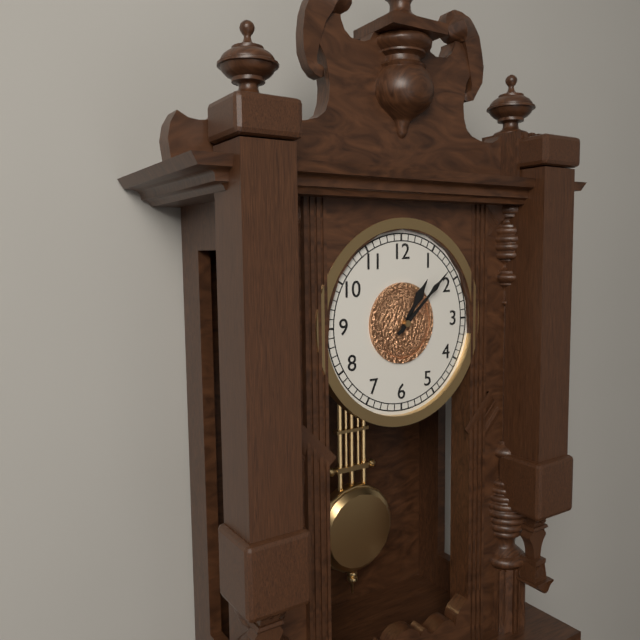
1:08
